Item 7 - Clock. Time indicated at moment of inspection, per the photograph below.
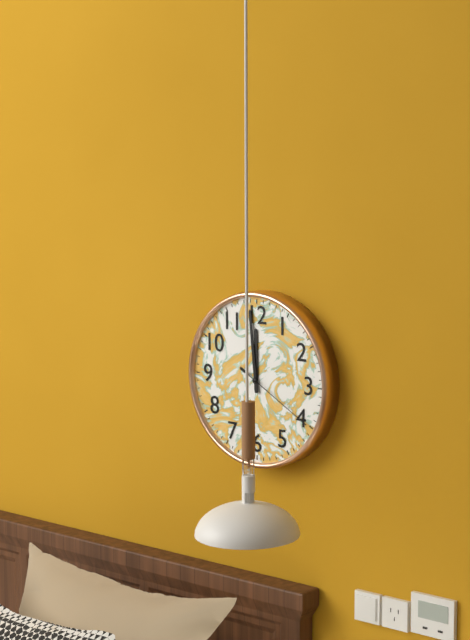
11:59:20
